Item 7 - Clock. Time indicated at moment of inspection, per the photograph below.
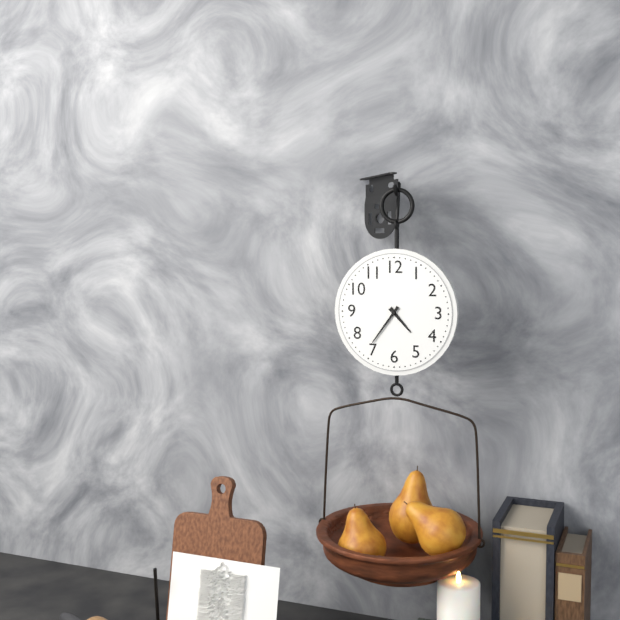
4:36
